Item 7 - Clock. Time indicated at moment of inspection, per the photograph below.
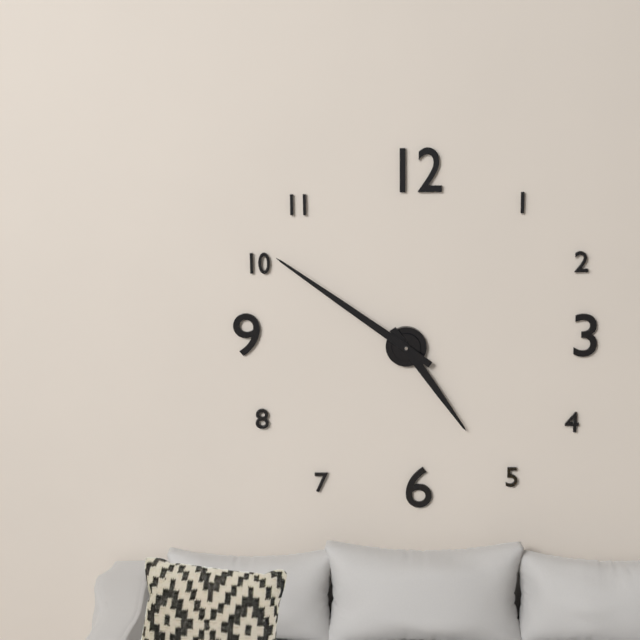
4:51
